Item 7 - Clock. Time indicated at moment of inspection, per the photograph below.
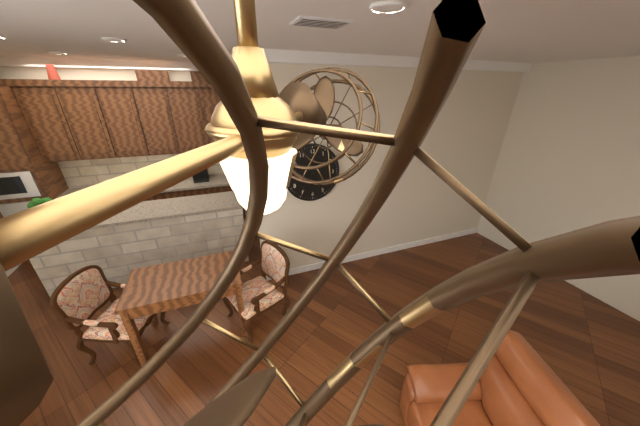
9:36
